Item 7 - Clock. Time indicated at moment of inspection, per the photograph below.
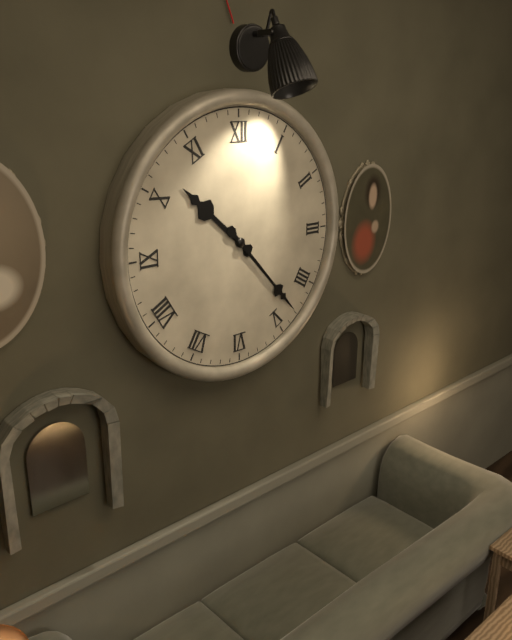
10:23
